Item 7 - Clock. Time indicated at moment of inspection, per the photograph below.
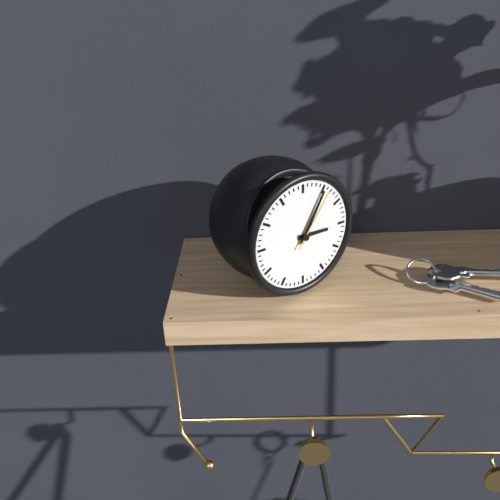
3:05:06
